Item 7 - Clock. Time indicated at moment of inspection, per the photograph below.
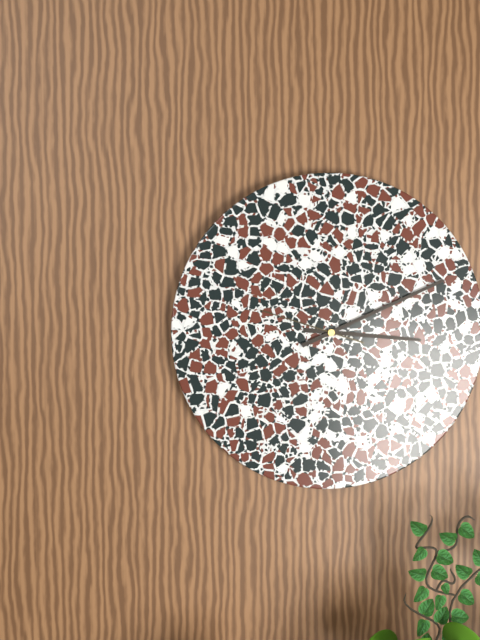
3:11:48
